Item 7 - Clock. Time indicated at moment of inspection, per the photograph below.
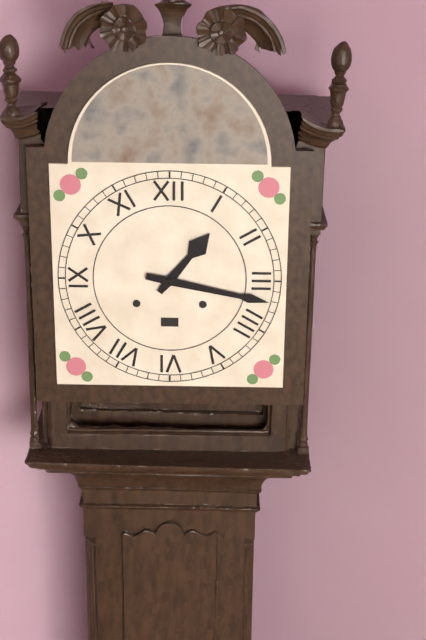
1:17
